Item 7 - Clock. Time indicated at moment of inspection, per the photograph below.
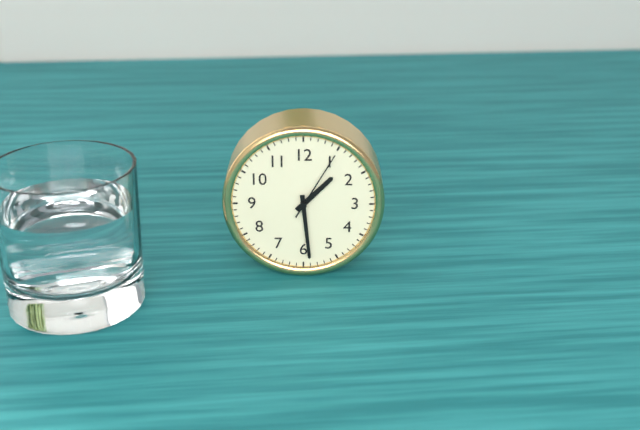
1:29:05
